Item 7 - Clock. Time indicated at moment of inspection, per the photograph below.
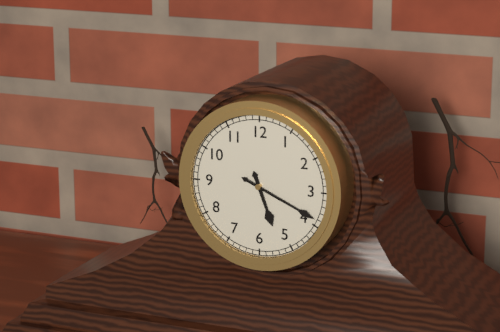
5:19
